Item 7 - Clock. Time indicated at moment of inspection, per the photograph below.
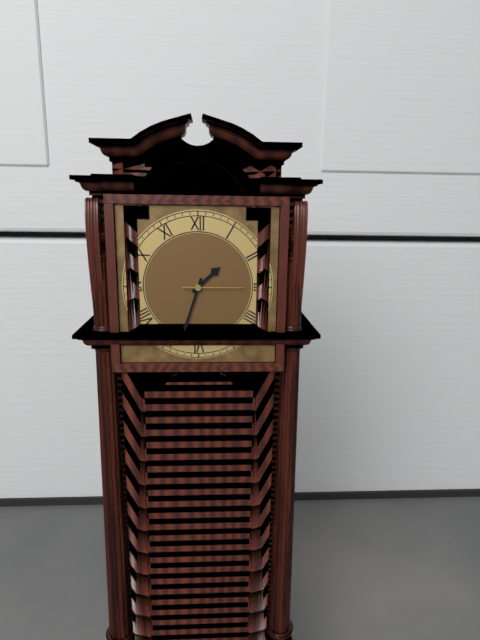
1:33:15
